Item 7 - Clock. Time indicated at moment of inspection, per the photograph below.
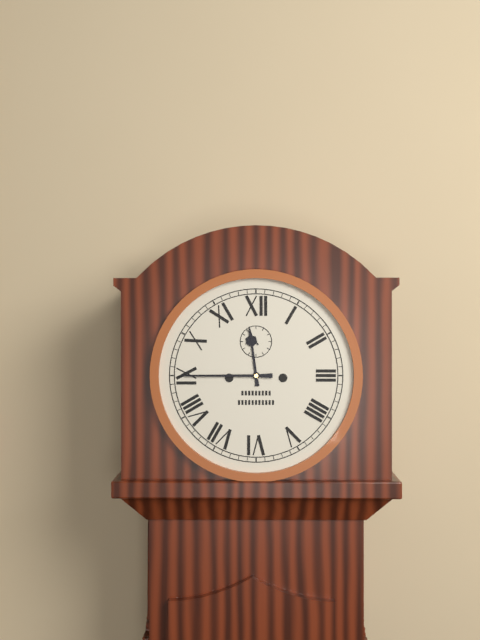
11:45
